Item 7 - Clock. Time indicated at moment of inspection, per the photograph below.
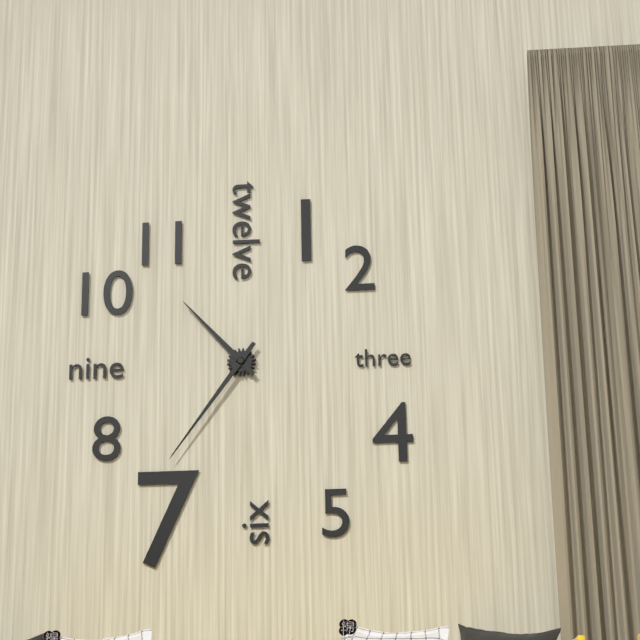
10:36
